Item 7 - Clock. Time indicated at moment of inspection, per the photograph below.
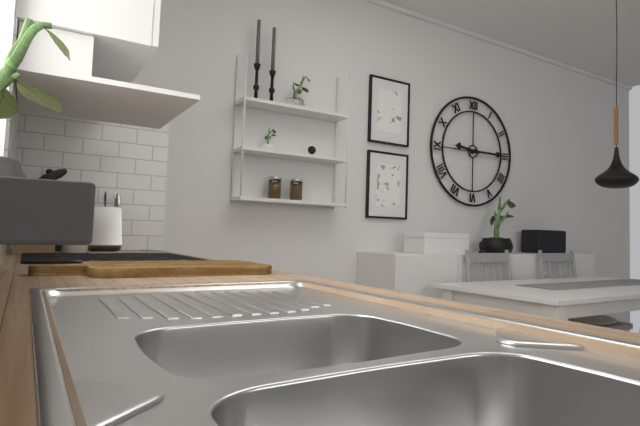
9:15
